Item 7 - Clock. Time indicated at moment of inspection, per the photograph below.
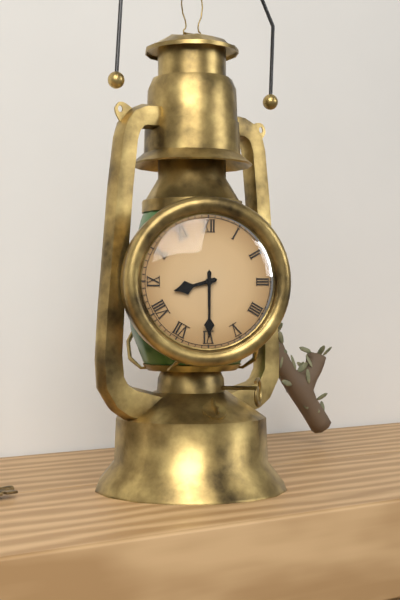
8:30
